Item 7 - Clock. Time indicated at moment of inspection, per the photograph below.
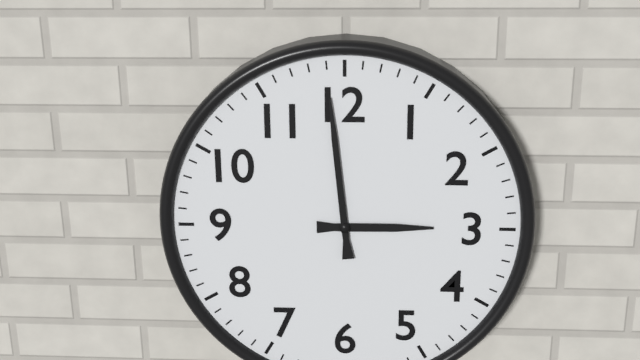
2:59
